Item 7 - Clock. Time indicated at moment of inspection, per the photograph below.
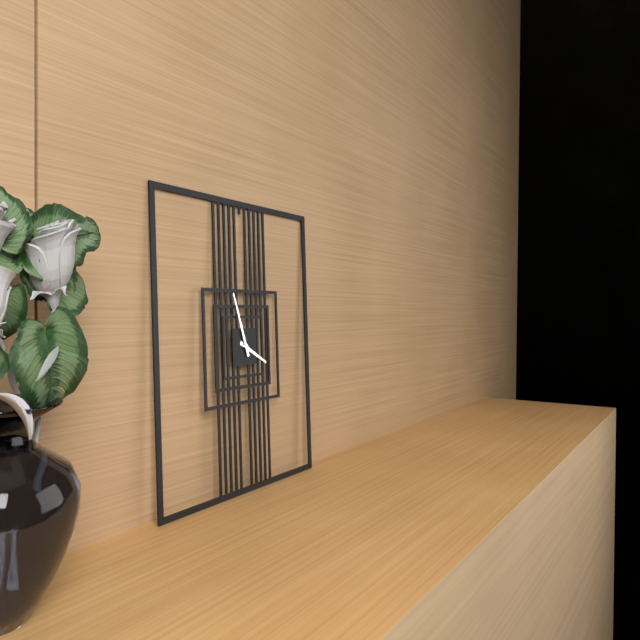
3:57
